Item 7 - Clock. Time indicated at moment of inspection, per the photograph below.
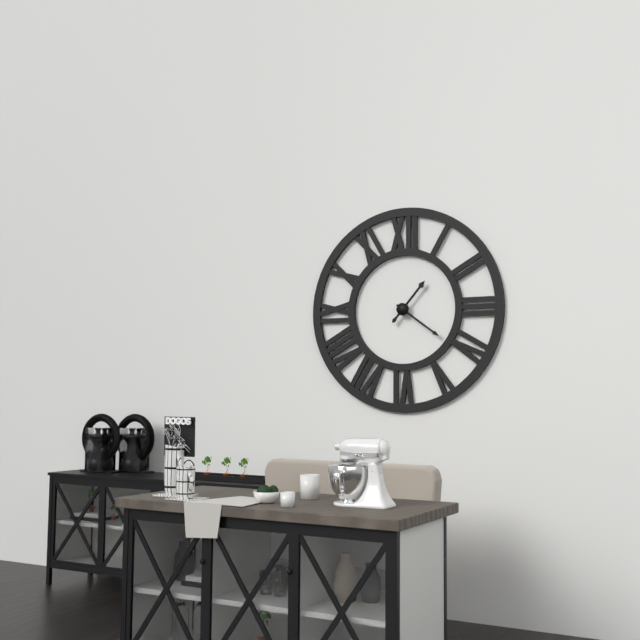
1:21
